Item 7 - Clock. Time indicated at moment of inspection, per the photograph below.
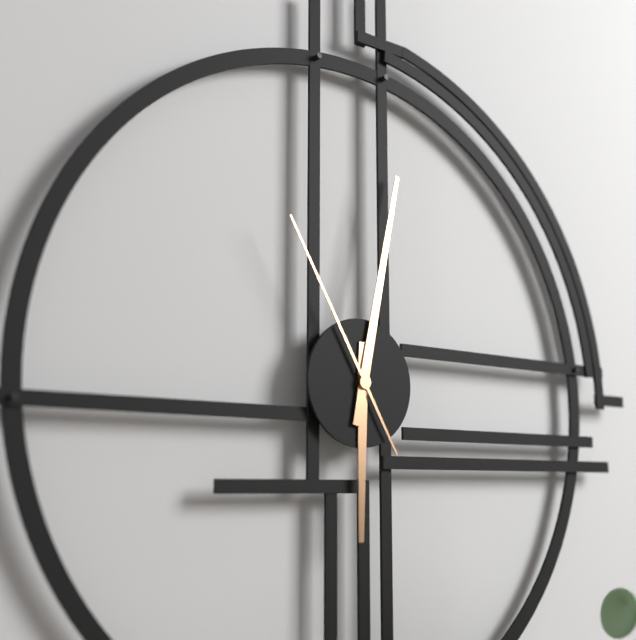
6:02:55
